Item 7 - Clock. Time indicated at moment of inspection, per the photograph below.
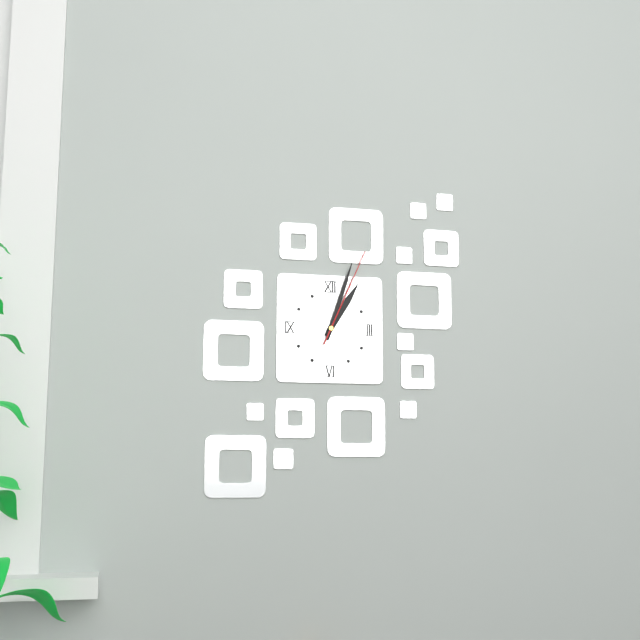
1:03:04
